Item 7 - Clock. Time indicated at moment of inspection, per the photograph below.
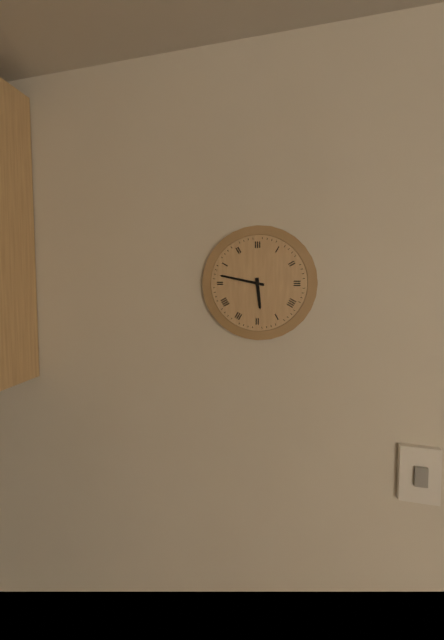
5:47
